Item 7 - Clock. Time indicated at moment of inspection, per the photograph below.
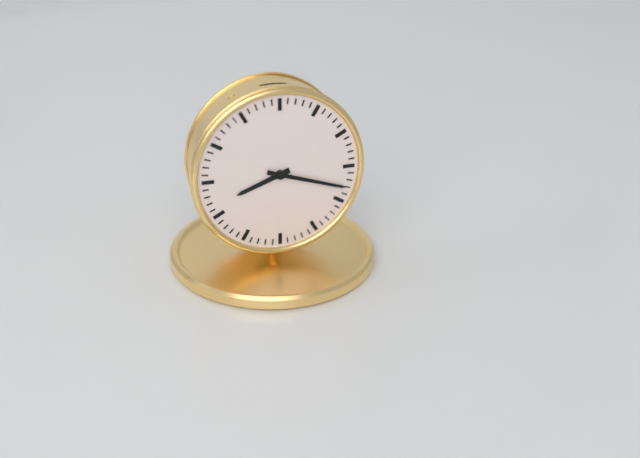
8:18
